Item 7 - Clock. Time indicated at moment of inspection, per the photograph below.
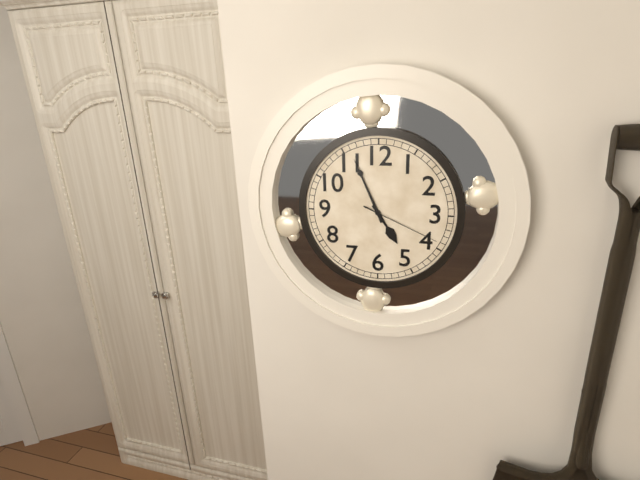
4:56:19
